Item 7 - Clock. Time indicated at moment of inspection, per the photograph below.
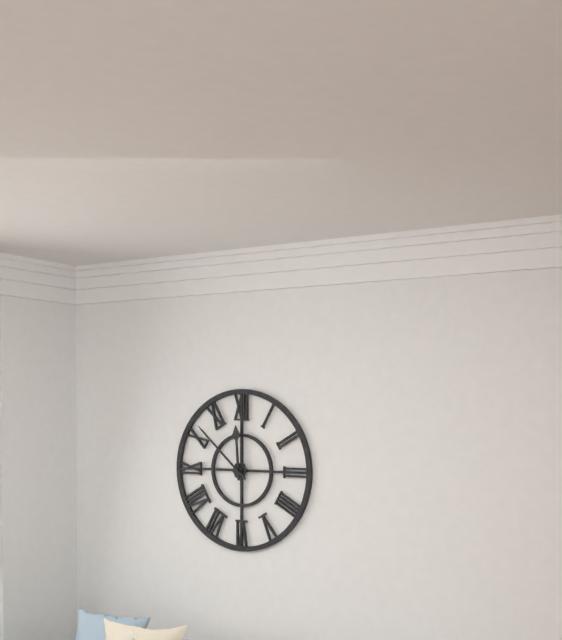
11:52
